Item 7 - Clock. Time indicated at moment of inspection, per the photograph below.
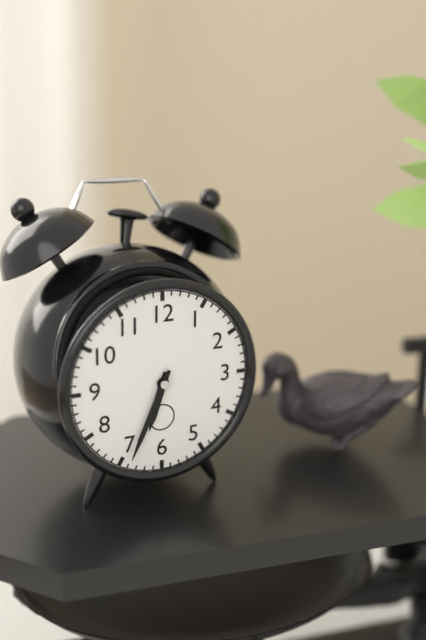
6:34
